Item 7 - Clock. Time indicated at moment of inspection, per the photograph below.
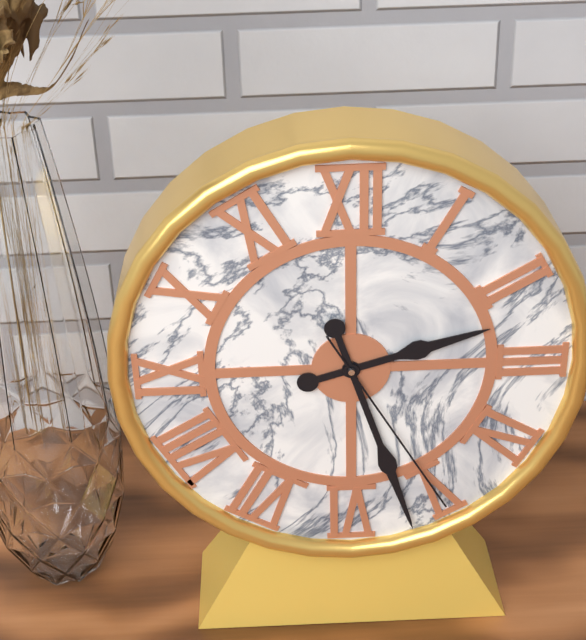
2:27:25
